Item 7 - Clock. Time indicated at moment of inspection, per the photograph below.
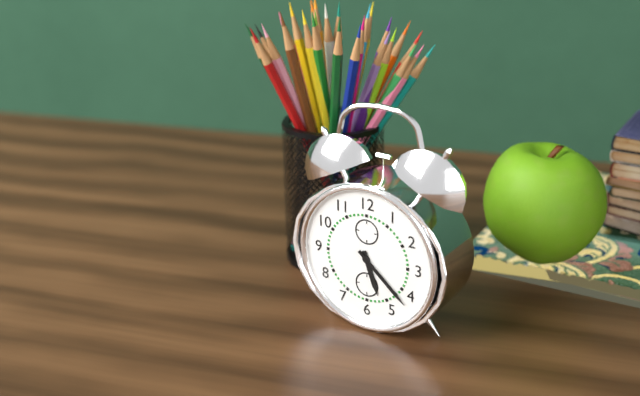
5:22
